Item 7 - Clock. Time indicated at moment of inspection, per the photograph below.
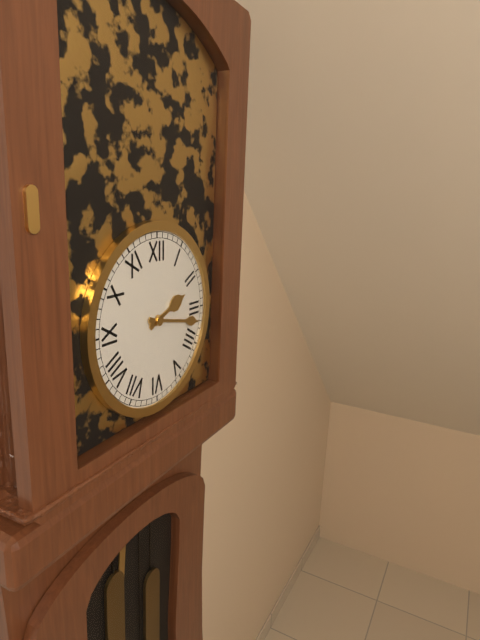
2:17
